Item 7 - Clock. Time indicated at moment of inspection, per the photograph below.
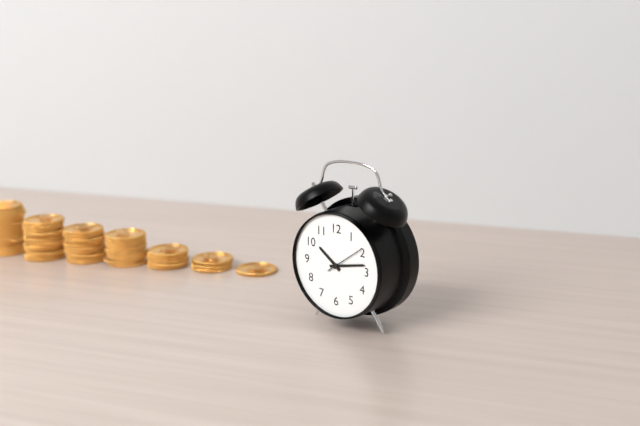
10:13
